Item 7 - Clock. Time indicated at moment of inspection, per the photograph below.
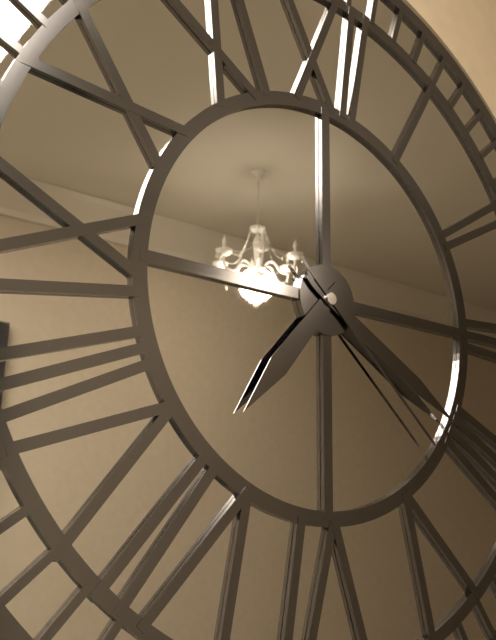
7:20:22
